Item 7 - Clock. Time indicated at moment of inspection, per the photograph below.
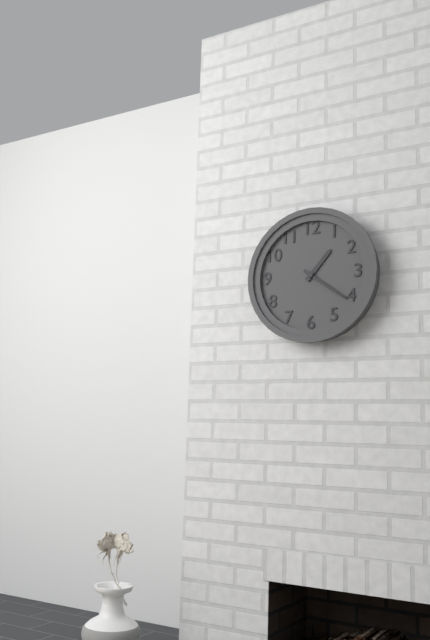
1:21
